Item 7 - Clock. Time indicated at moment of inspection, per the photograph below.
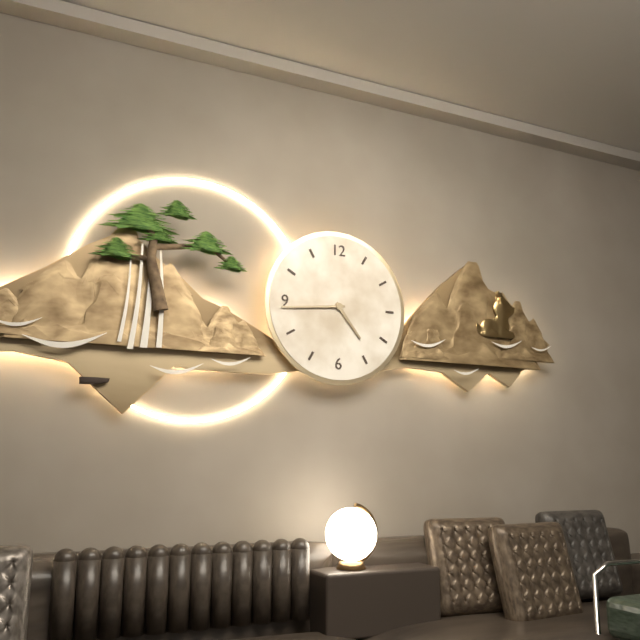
4:44
